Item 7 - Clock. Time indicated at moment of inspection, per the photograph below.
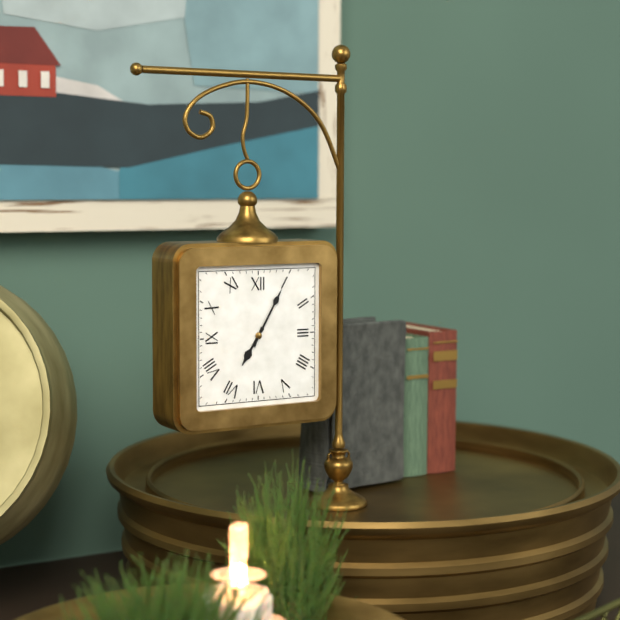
7:05
